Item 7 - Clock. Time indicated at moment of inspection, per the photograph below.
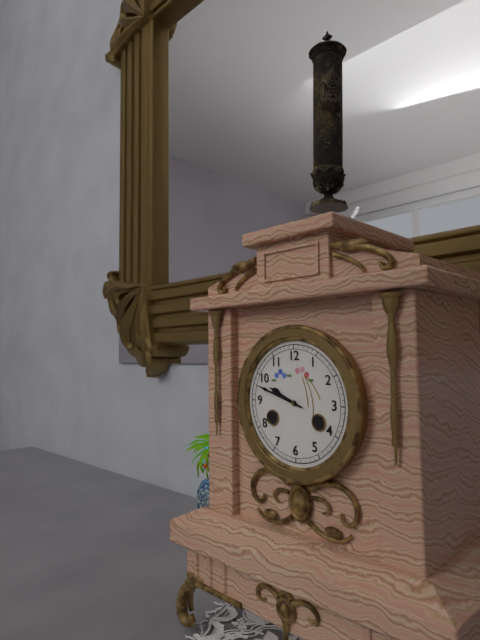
9:48
